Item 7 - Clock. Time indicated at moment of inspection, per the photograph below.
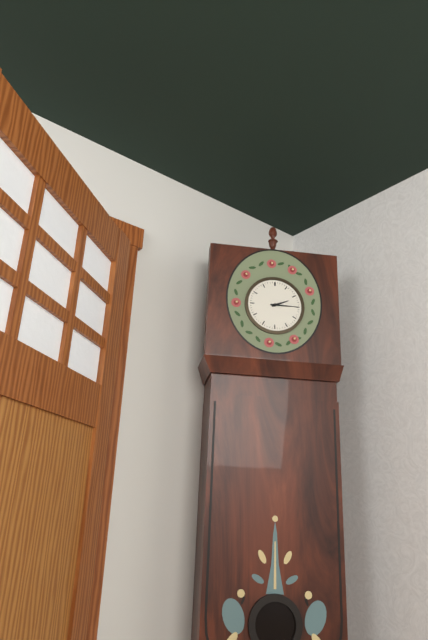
2:15
